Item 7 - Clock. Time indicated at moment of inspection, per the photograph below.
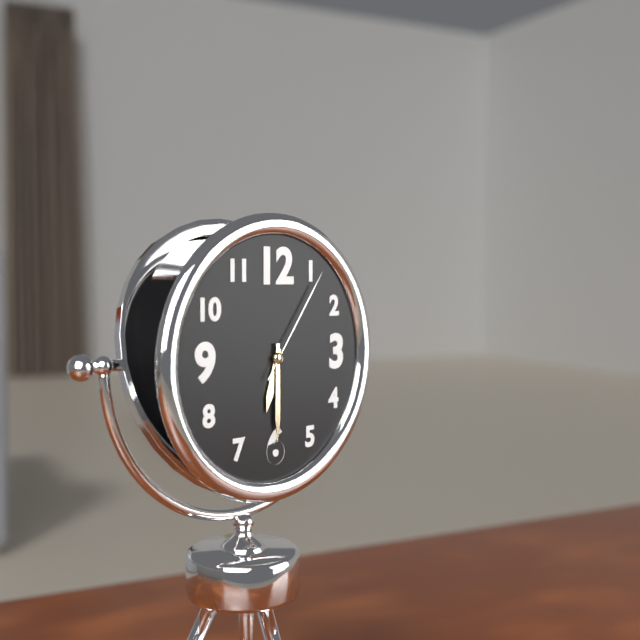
6:30:06
